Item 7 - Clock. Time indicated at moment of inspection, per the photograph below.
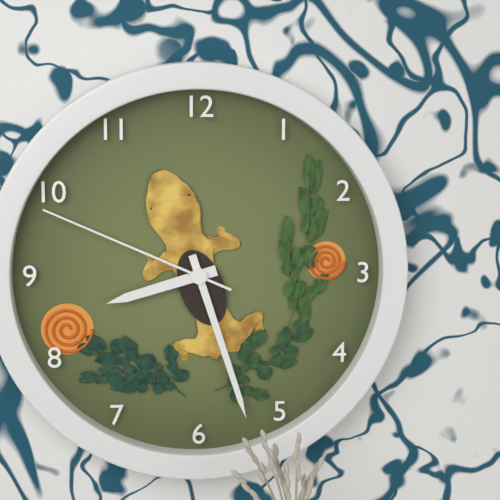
8:27:49
